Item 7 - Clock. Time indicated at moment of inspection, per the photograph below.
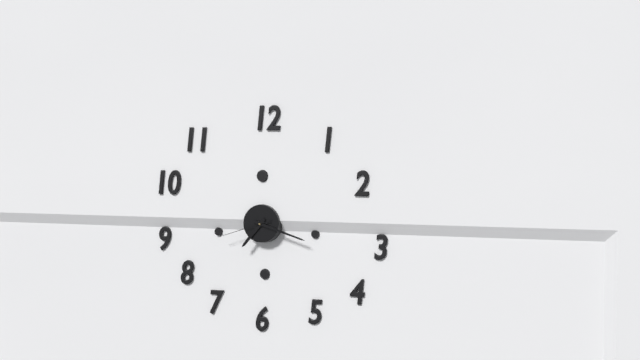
7:18:42
